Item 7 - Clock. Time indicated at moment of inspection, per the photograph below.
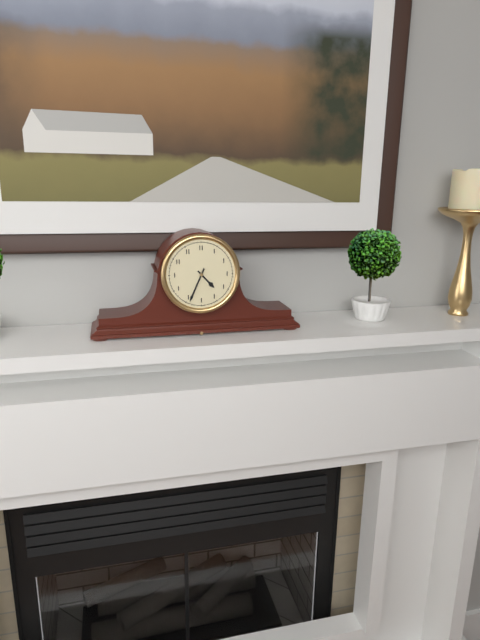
4:34
